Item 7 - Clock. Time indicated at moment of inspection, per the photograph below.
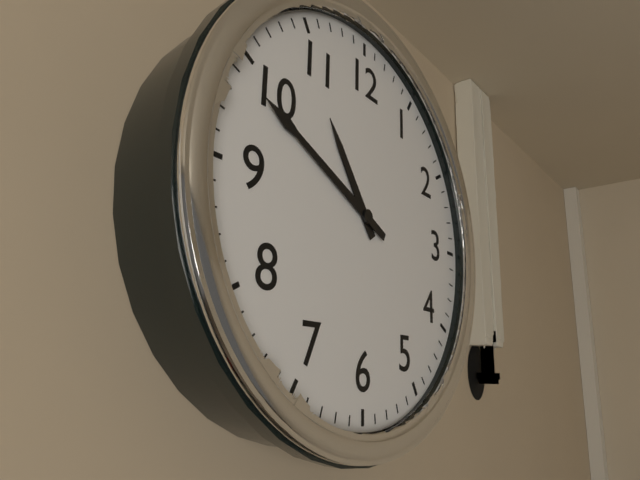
10:49
